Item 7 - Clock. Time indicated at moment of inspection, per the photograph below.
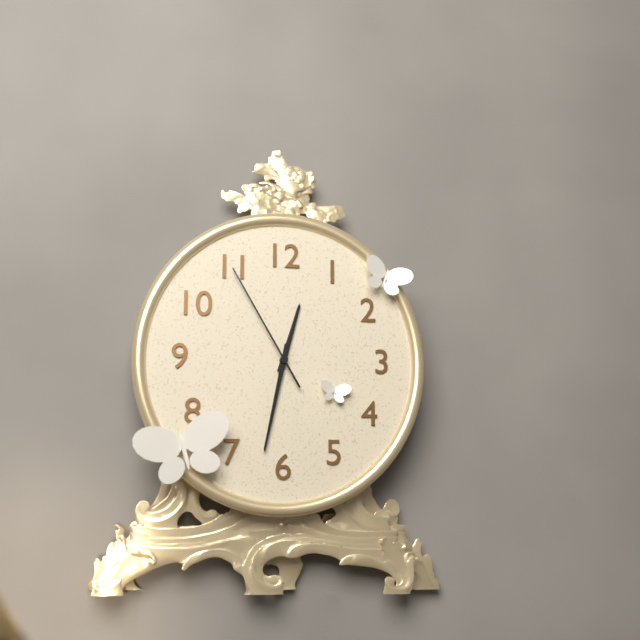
12:32:55
